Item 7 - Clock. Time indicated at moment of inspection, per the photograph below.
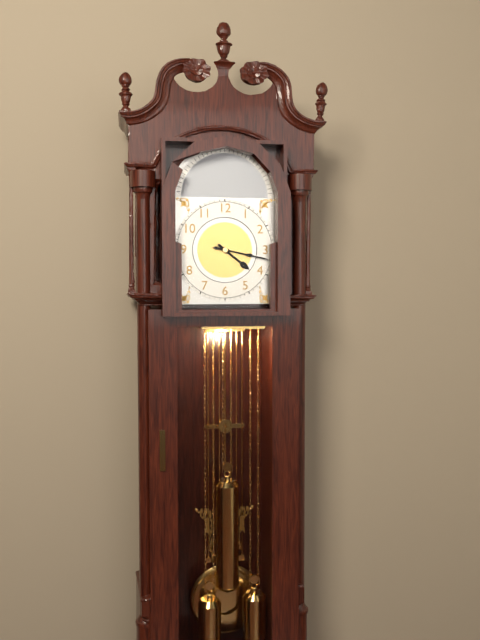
4:17
